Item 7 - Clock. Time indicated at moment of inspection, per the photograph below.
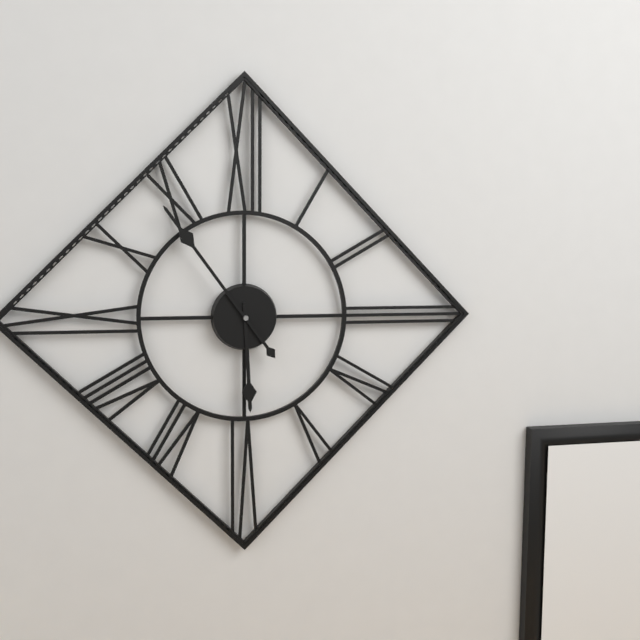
5:54
